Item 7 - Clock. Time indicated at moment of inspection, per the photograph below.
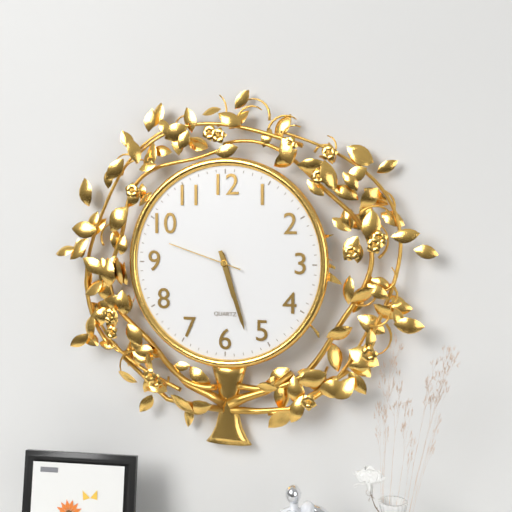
5:27:48
